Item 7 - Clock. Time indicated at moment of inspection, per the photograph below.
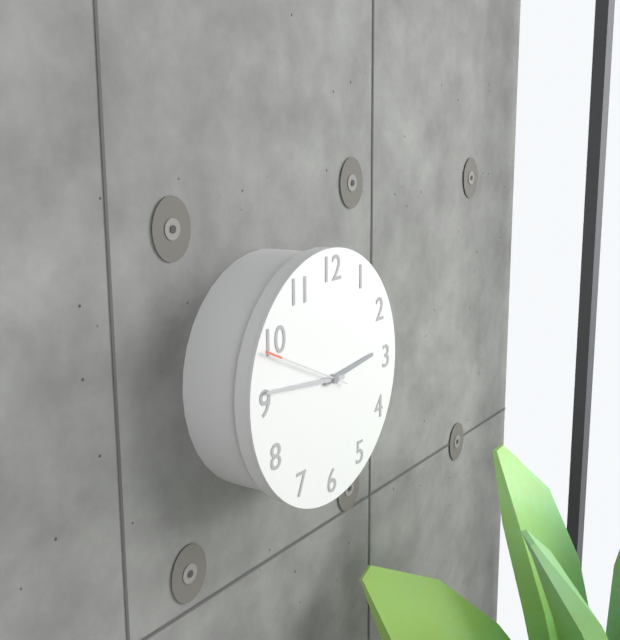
2:46:49
